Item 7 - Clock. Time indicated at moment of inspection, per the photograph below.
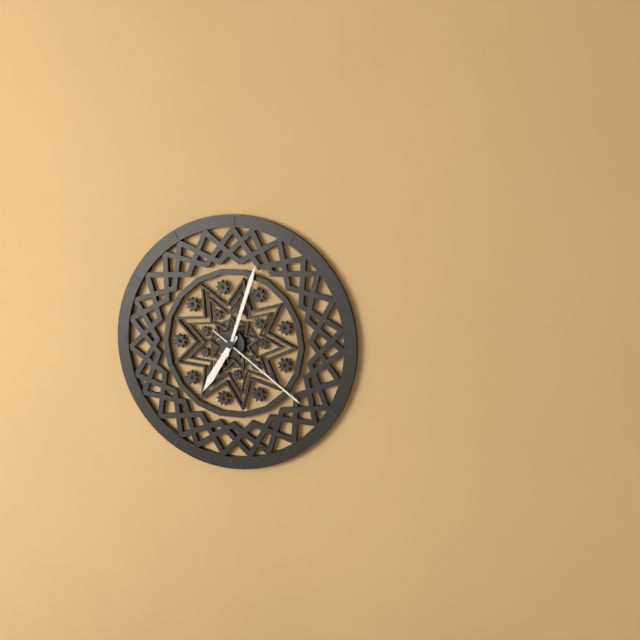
7:03:21
